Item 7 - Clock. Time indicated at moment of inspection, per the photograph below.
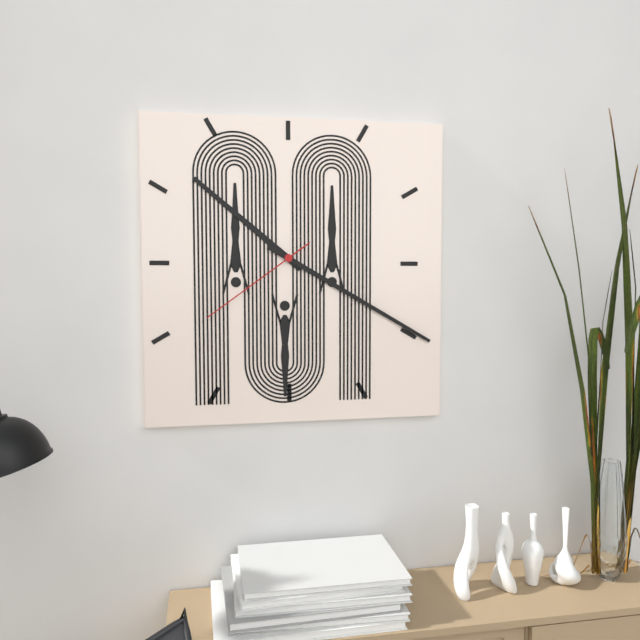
10:20:39
